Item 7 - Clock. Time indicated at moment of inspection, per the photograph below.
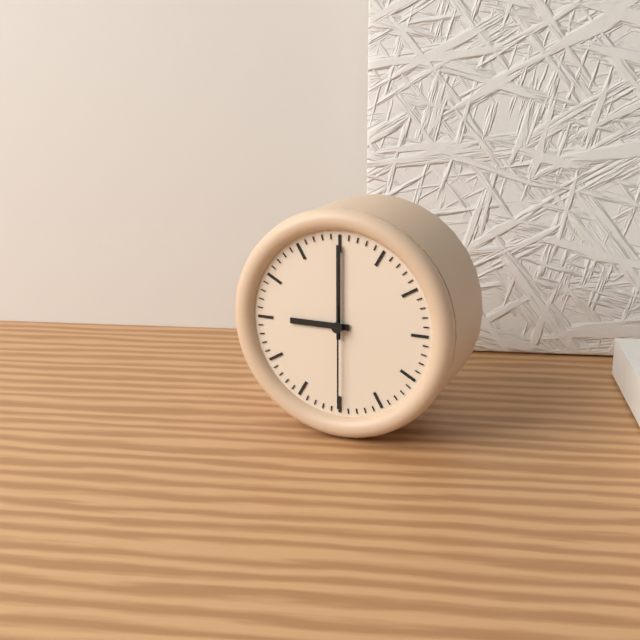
9:00:30
